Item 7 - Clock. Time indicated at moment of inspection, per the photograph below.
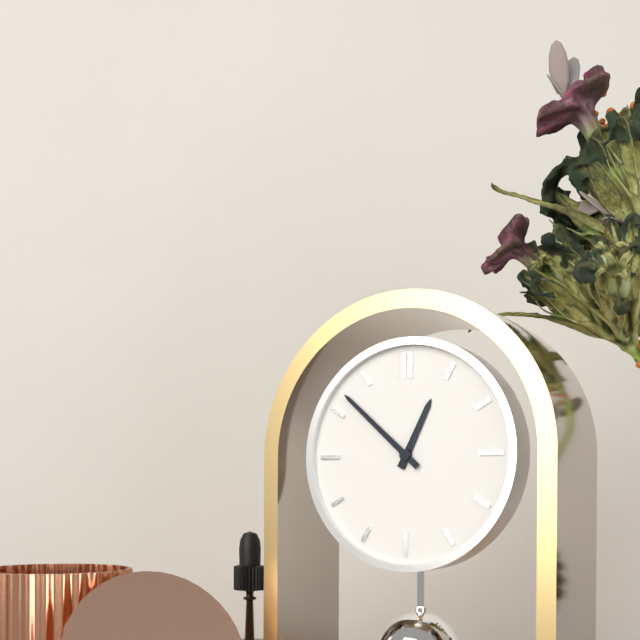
12:52
